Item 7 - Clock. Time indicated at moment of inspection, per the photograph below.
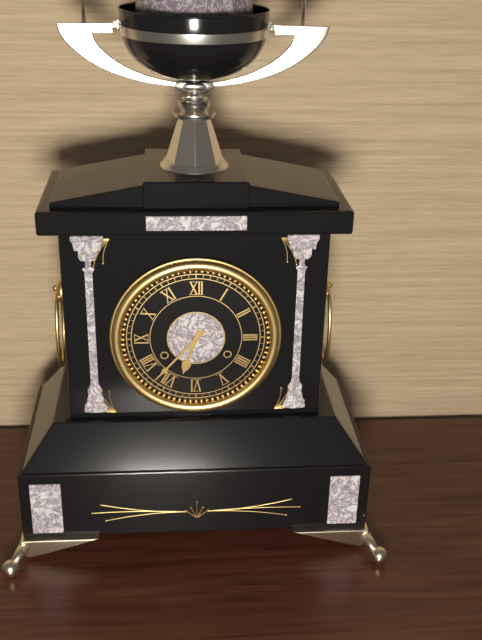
6:37
